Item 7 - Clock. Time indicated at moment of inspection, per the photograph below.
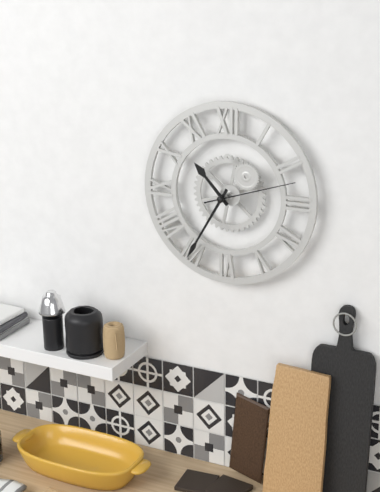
10:35:12
